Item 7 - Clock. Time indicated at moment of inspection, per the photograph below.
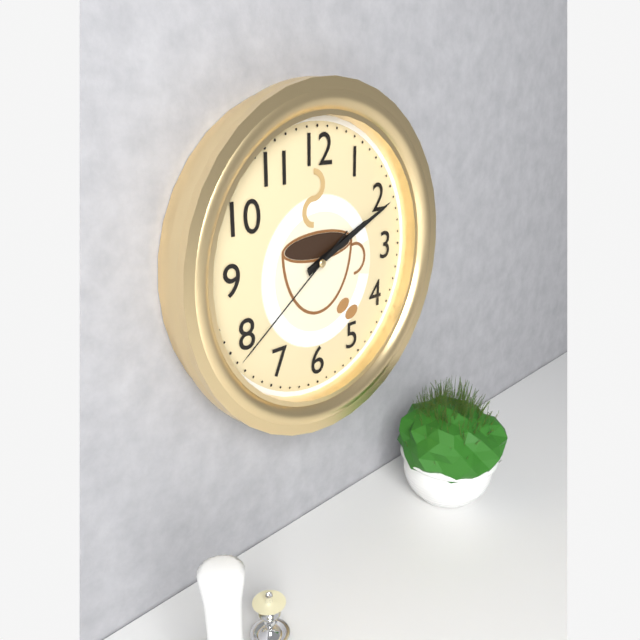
2:11:39
